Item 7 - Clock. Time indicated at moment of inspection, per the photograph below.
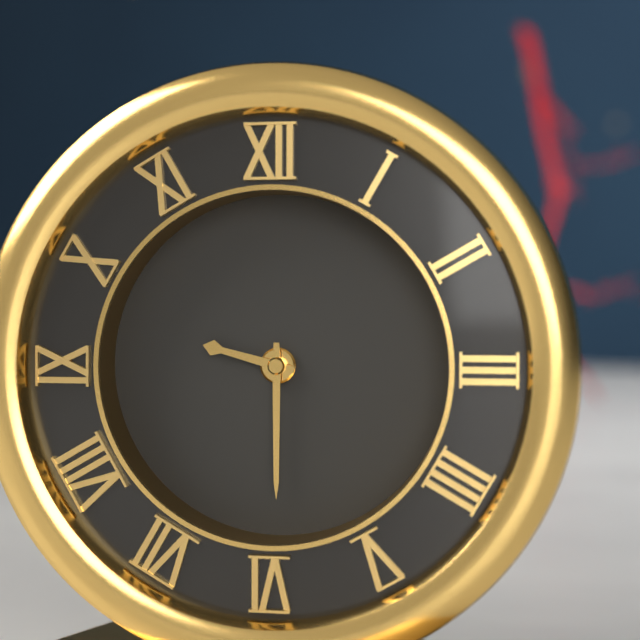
9:30
